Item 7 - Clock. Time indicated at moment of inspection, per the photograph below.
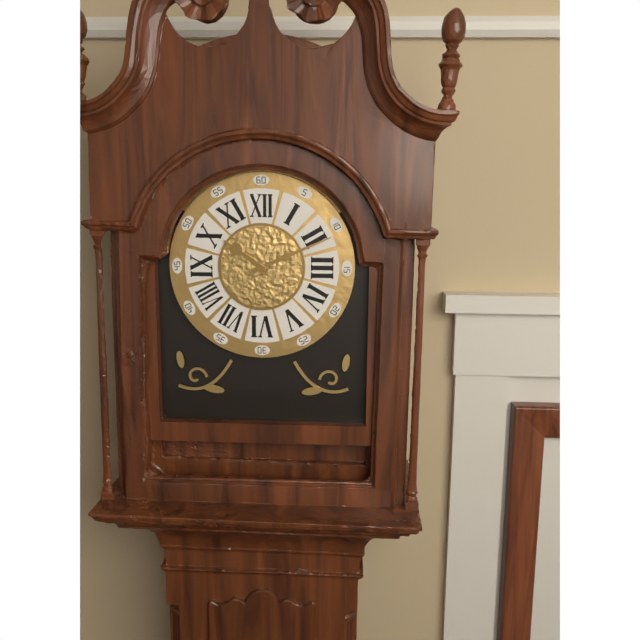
10:11
